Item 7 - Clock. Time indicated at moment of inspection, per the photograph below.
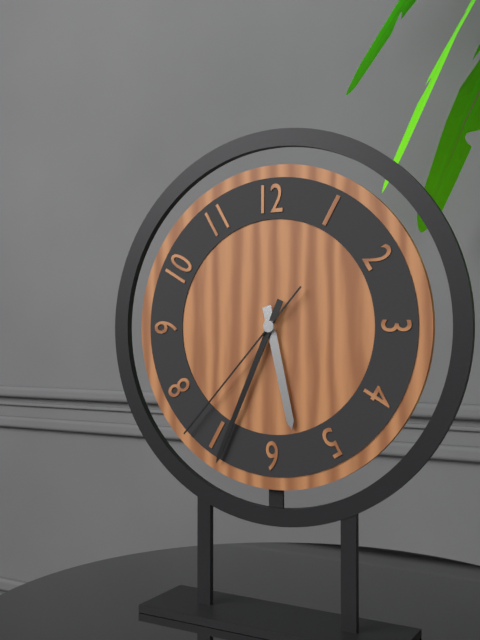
5:34:37
